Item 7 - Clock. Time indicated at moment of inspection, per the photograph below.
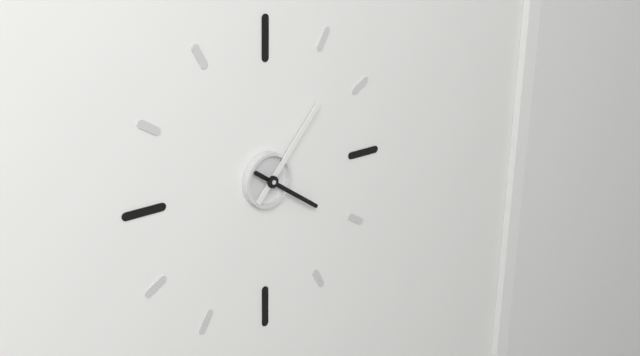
4:07
